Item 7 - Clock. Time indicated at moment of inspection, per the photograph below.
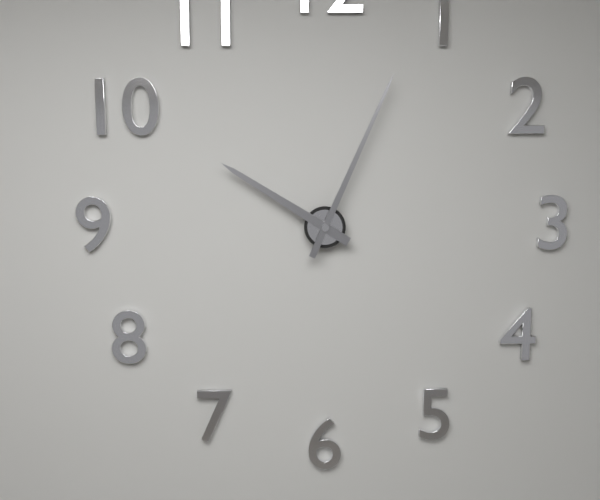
10:04
